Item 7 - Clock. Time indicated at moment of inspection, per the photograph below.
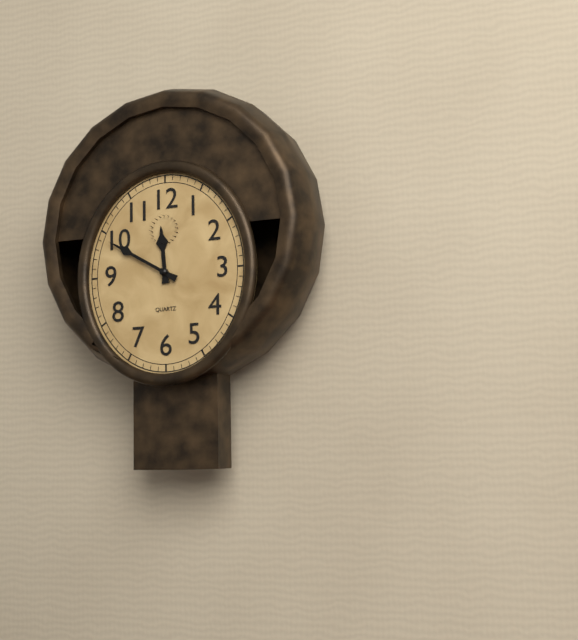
11:50
